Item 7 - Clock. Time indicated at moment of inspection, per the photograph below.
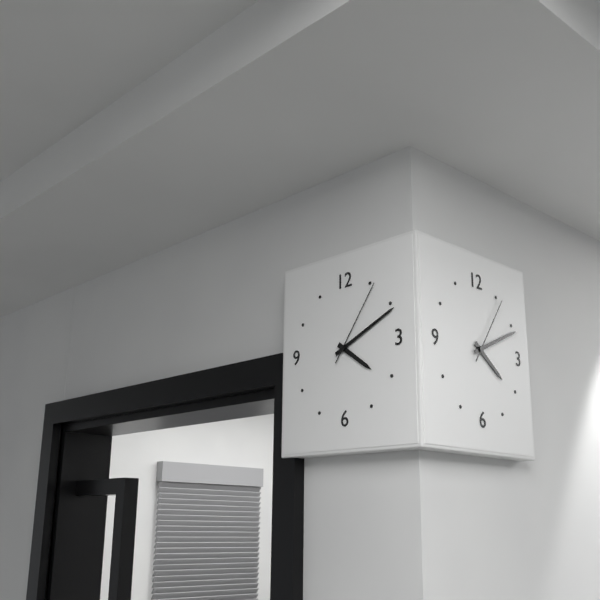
4:11:06
